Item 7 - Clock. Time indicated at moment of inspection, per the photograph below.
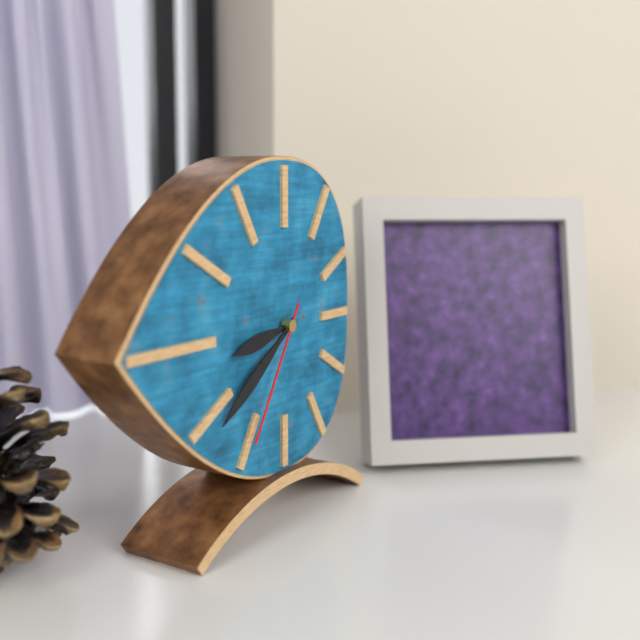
8:39:35
